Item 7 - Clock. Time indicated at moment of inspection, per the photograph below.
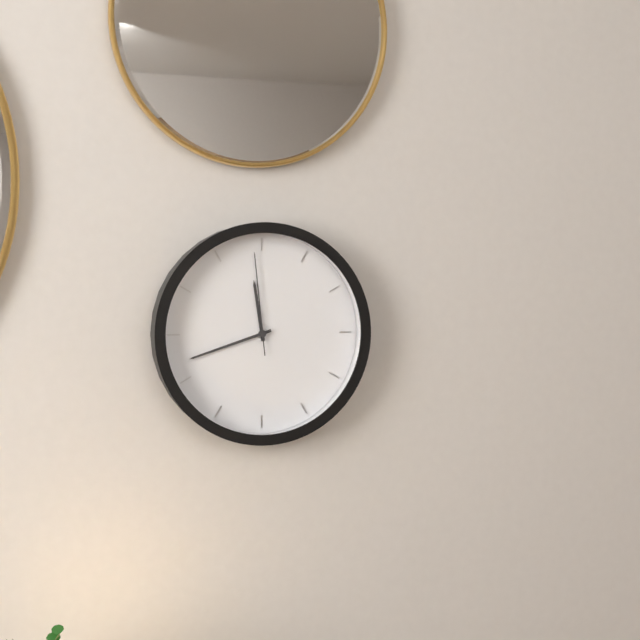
11:42:59
